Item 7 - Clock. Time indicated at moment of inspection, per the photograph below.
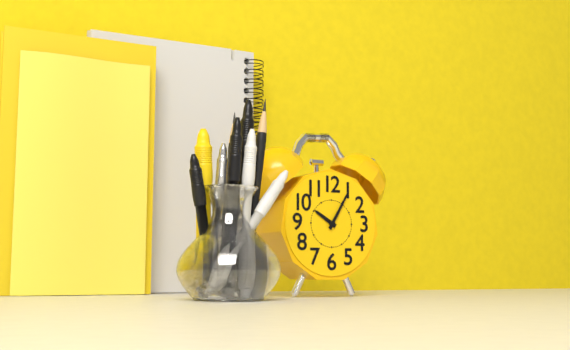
10:05
